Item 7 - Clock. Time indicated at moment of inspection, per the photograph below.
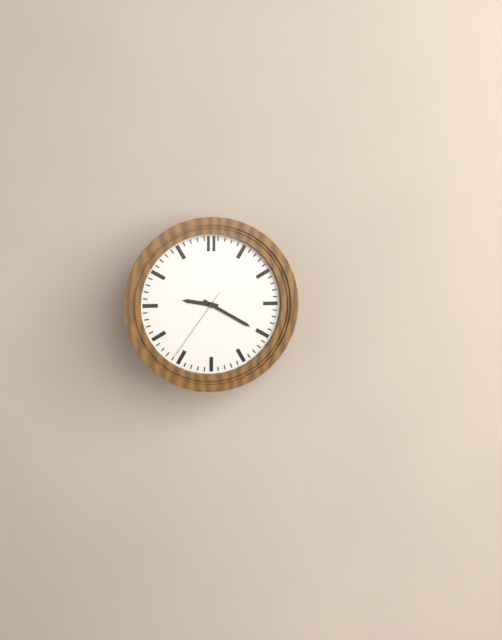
9:20:36
